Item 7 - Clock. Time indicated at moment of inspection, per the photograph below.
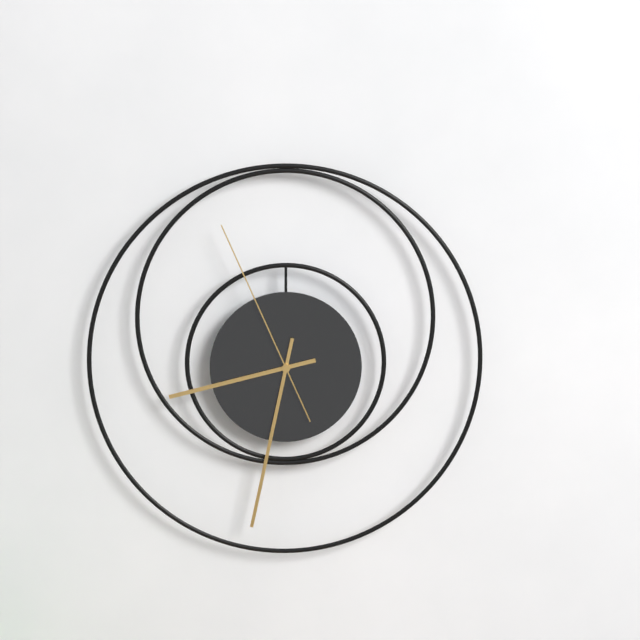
8:32:56
